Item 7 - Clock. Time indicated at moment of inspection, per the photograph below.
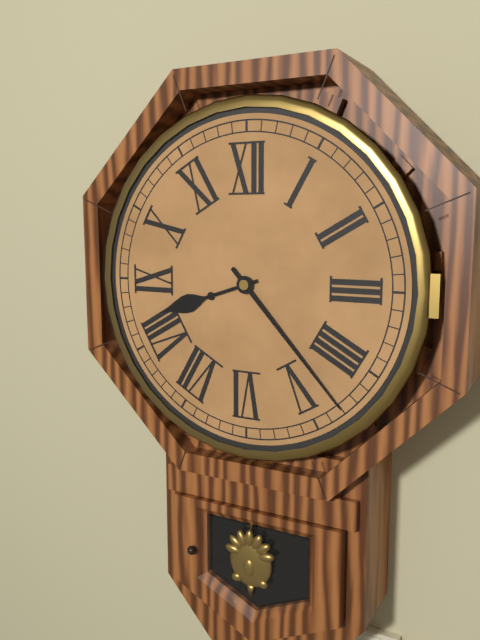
8:23
